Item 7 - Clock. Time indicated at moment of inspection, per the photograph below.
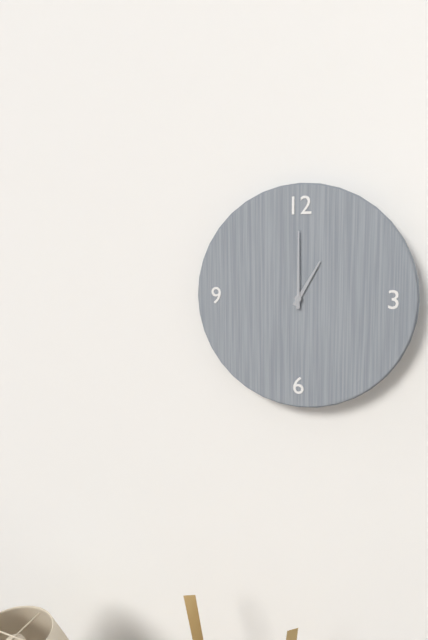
1:00
